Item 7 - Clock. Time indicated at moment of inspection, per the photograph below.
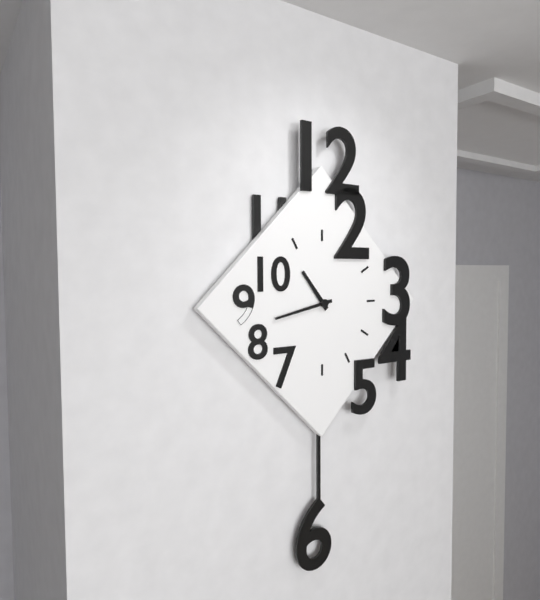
10:43
